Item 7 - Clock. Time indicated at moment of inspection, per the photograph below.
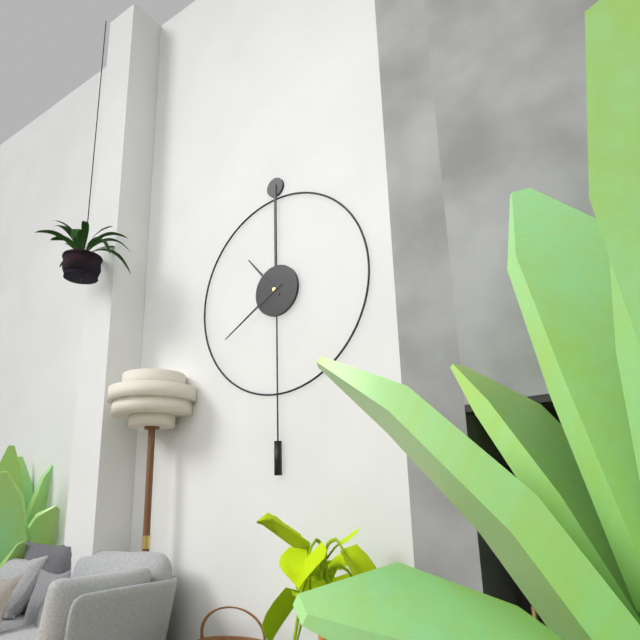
10:40
